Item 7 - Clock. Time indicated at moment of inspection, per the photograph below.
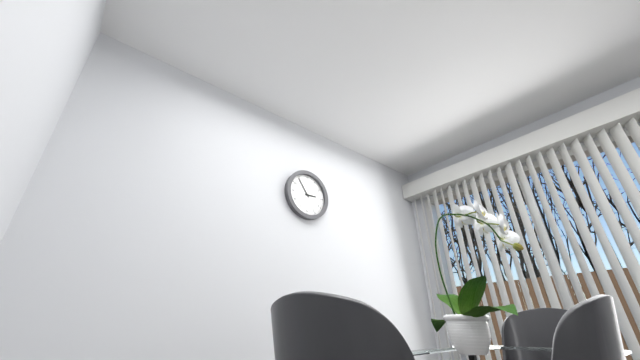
2:54
